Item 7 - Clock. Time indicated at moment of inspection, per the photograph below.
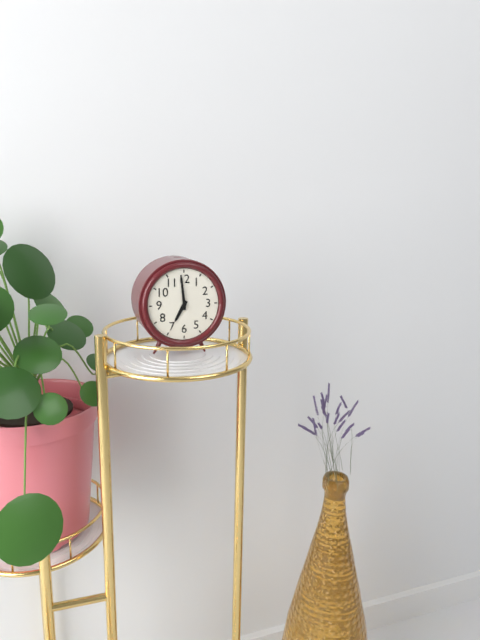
6:59
